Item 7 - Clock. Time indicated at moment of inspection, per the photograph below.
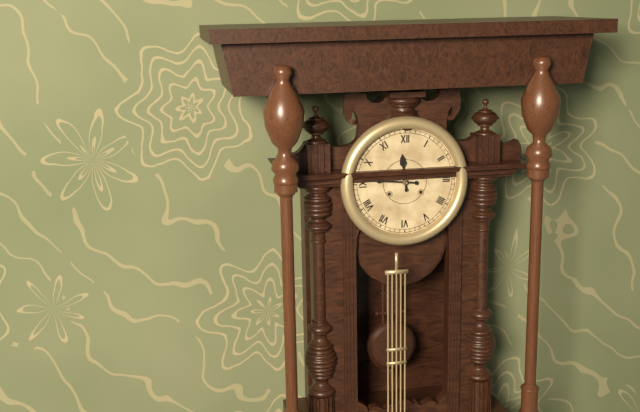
11:46
